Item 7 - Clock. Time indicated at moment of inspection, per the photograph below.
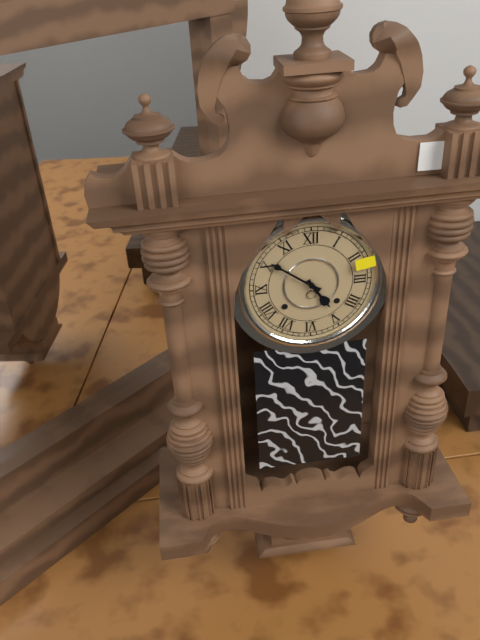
4:51
